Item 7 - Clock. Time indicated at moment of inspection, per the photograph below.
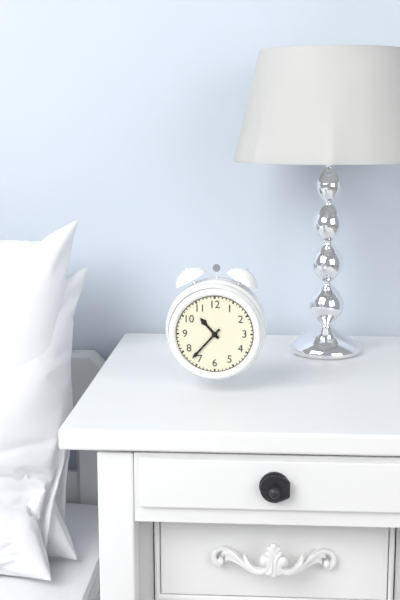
10:37
